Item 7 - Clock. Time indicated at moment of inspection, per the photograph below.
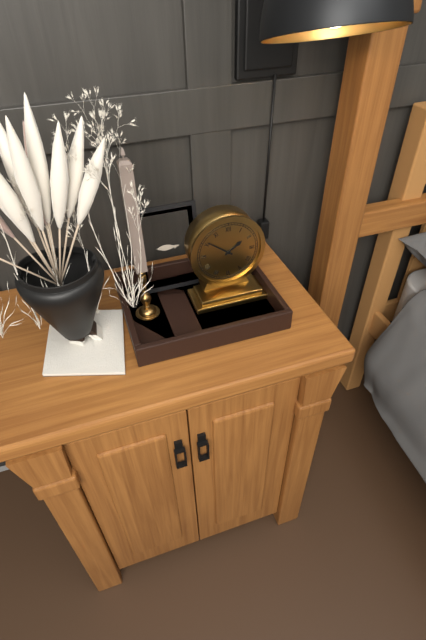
1:51
